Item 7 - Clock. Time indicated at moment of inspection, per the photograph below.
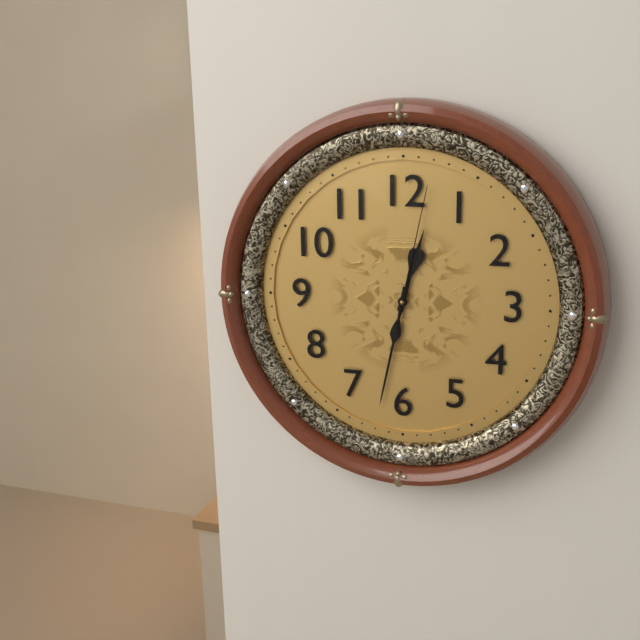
12:32:02
